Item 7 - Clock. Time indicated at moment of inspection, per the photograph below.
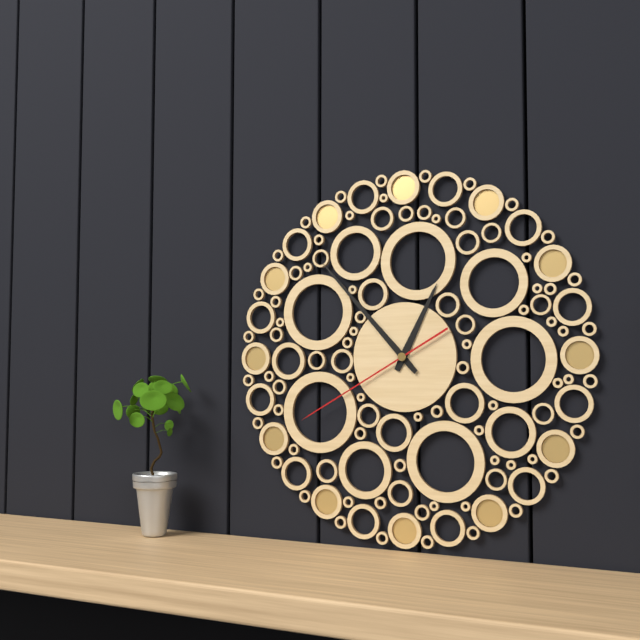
12:53:40
